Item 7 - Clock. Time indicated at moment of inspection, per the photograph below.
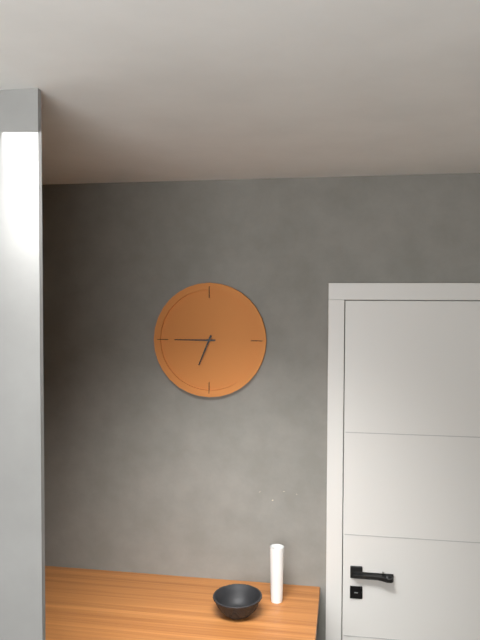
6:45
